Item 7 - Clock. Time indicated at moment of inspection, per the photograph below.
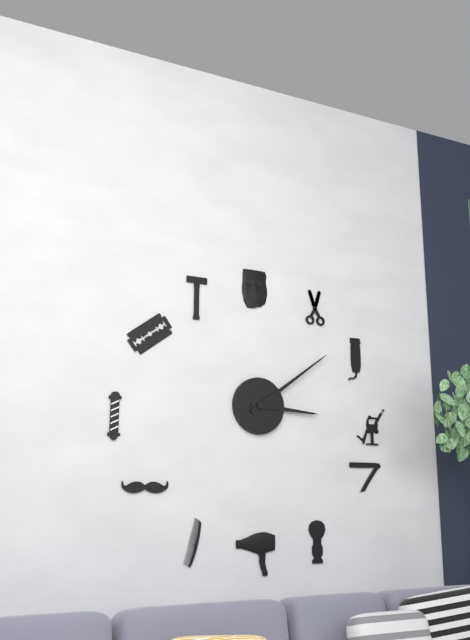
3:09
